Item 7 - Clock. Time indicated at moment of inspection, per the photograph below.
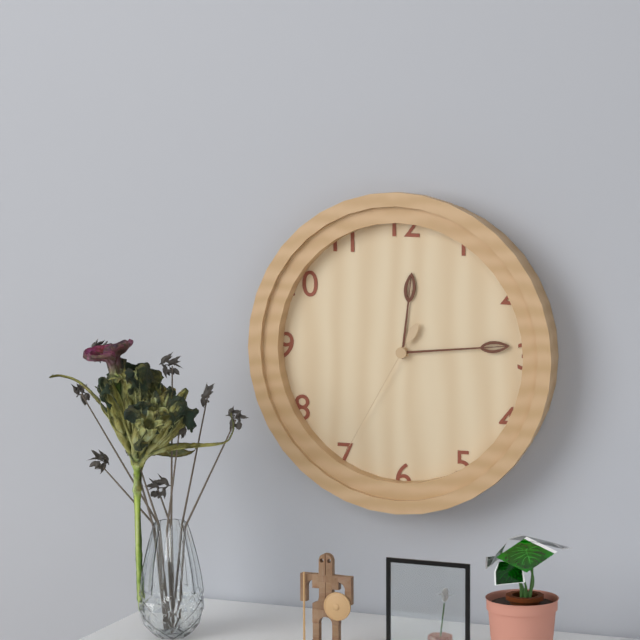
12:14:35
